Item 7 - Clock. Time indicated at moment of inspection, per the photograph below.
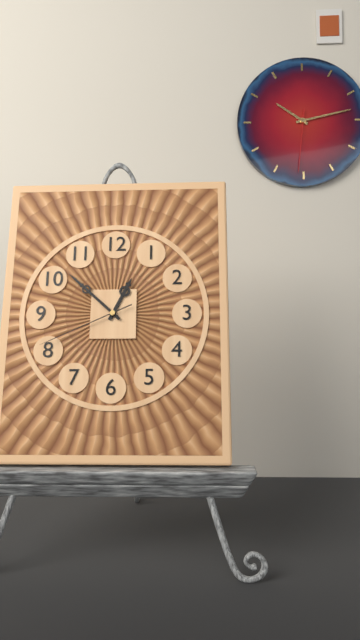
12:52:41
